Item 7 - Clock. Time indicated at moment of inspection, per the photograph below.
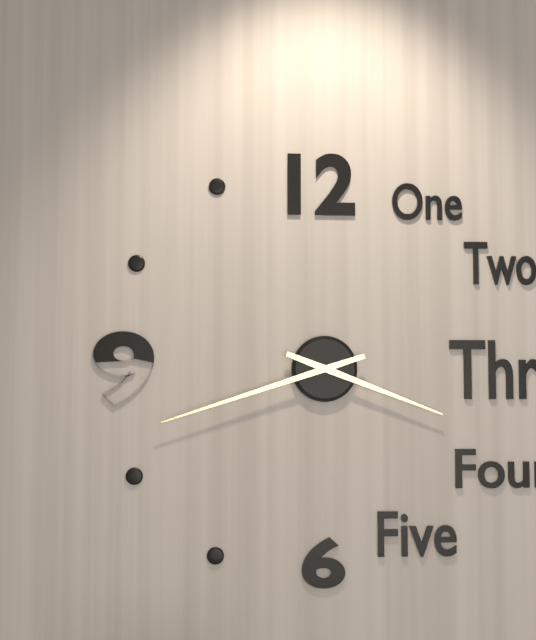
3:42
